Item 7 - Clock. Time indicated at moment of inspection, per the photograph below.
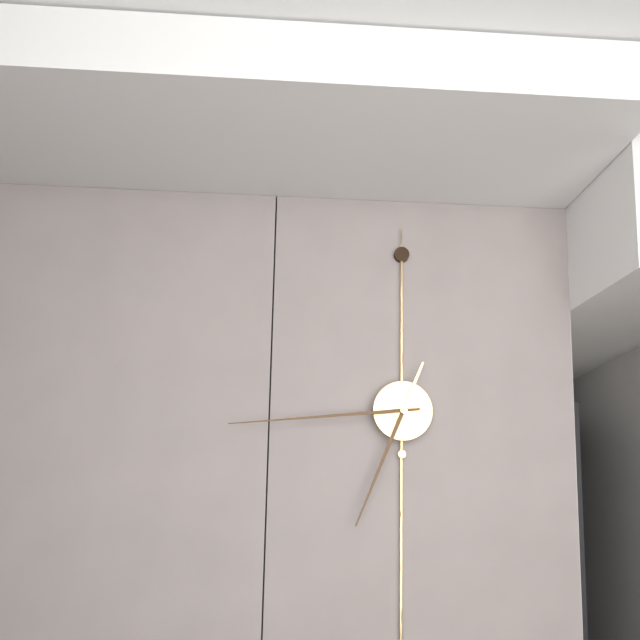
6:44
